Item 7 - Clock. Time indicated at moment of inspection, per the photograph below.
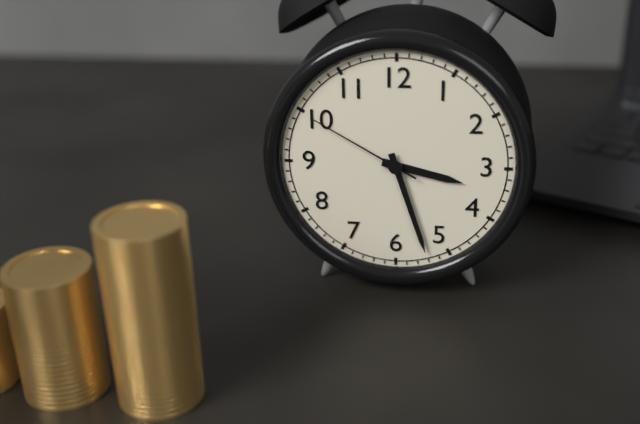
3:27:50
